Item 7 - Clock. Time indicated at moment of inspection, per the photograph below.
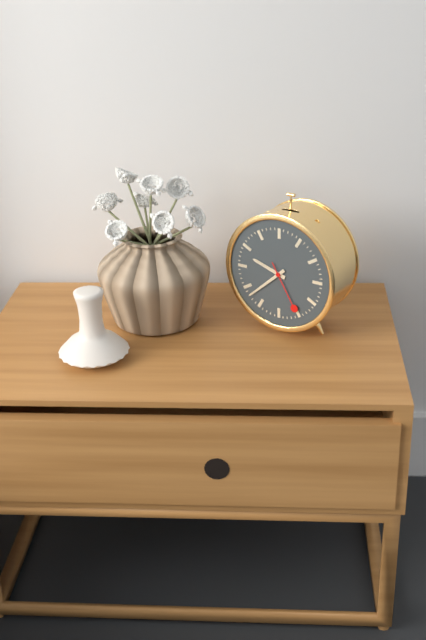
9:38:25
